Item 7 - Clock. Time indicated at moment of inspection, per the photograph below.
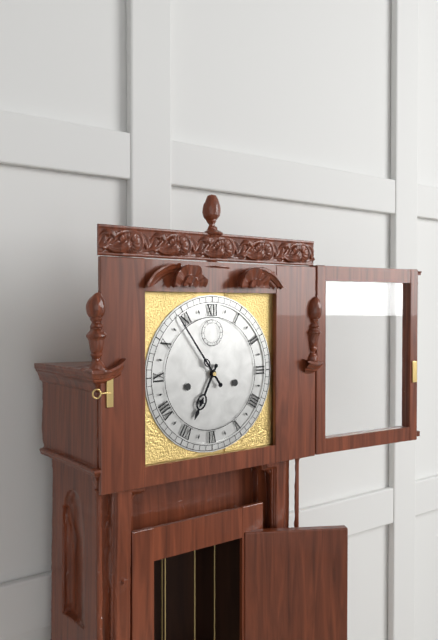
6:54
